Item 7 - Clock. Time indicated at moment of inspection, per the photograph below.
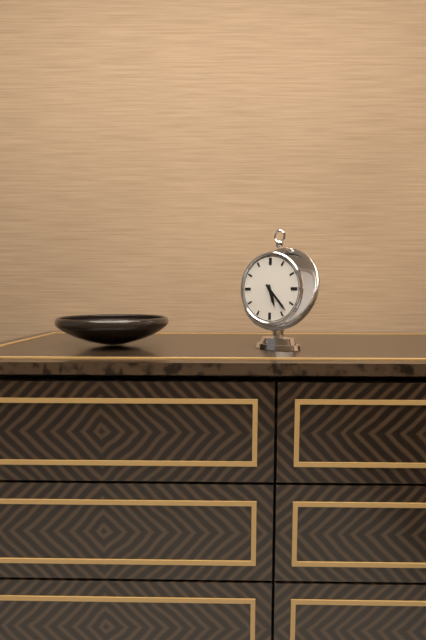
5:23
